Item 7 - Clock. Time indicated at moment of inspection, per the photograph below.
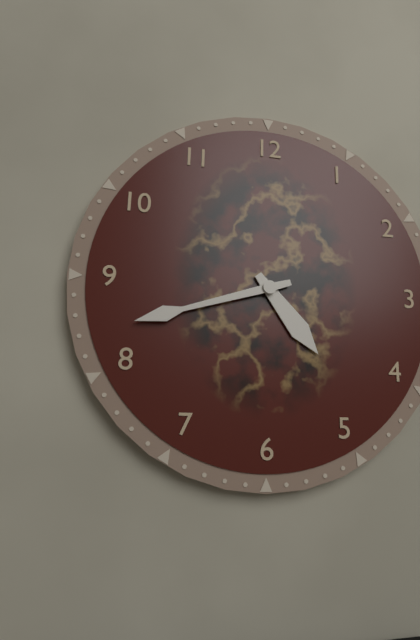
4:42
